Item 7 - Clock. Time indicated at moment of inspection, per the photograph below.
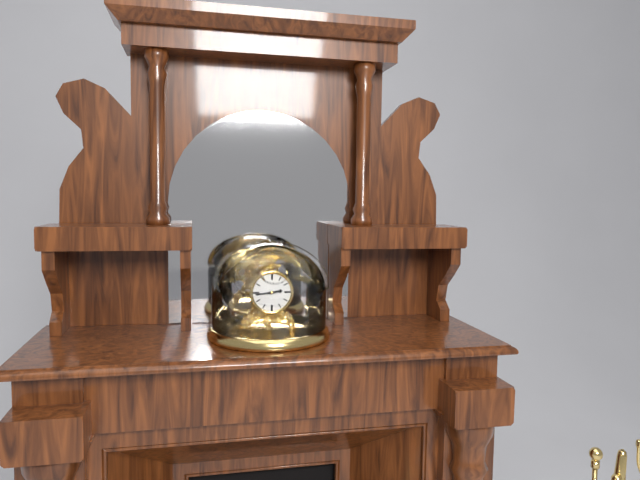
2:44
